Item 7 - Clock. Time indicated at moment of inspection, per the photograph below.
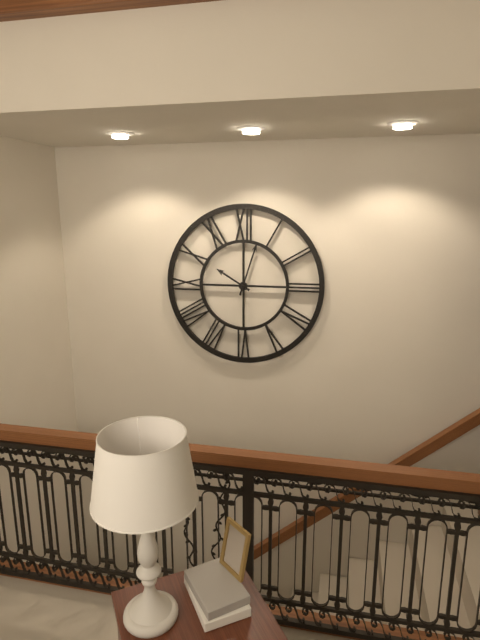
10:03
